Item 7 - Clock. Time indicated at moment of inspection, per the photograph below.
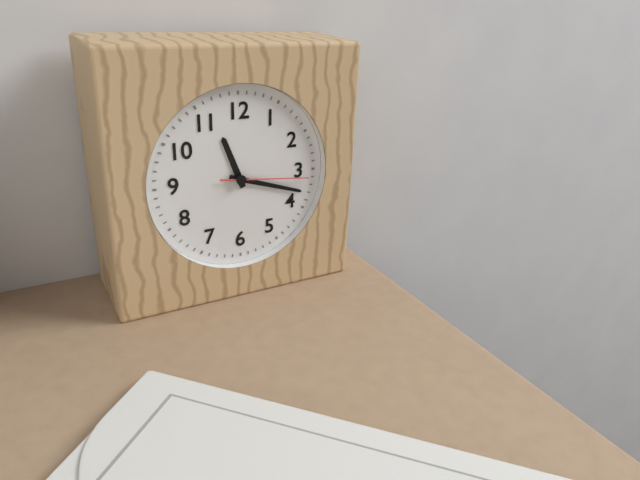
11:18:16
